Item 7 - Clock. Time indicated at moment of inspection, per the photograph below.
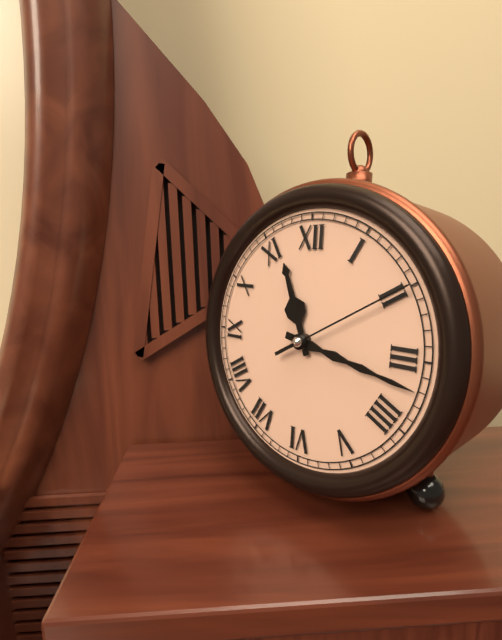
11:17:10
